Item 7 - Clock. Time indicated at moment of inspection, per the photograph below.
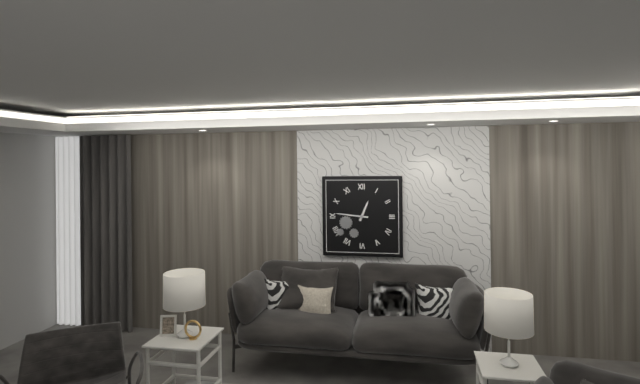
12:46
